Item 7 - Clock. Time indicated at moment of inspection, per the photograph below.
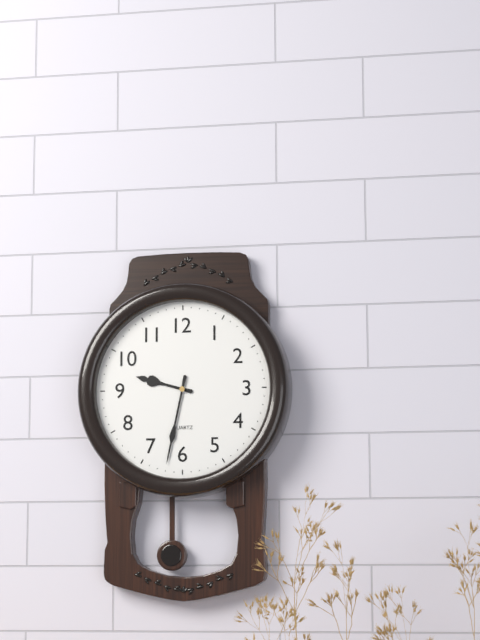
9:32
